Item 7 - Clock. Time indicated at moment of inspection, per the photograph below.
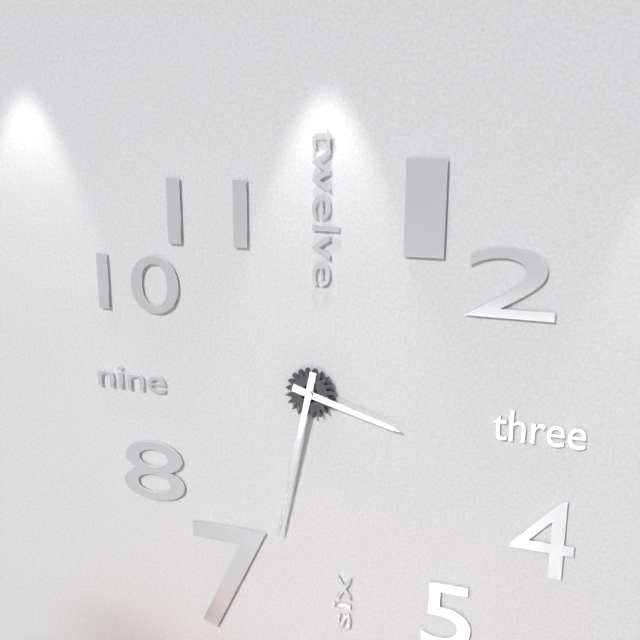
3:32
